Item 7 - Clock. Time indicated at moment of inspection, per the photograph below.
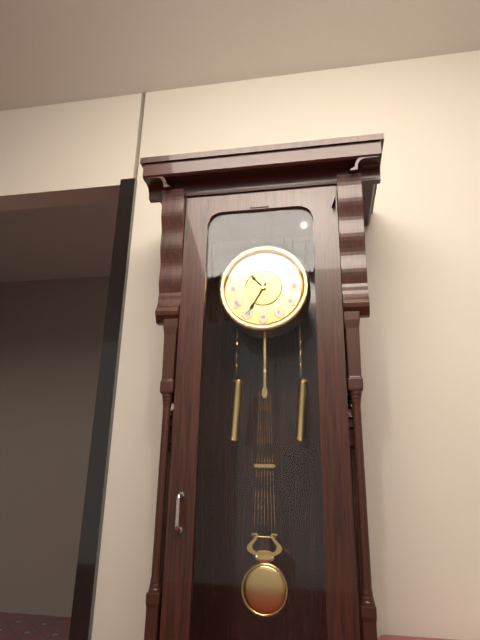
10:35
